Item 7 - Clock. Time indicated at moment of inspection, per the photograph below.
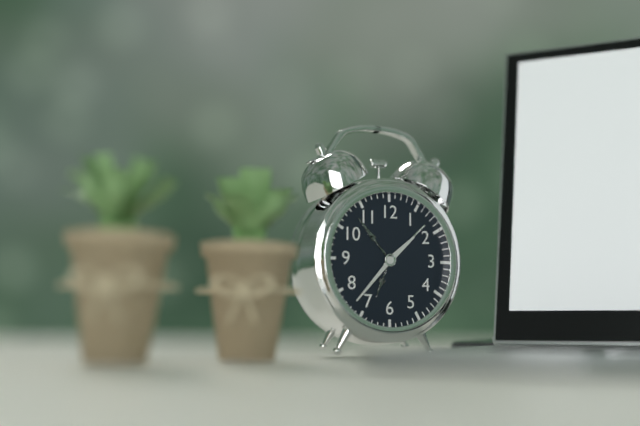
1:37
